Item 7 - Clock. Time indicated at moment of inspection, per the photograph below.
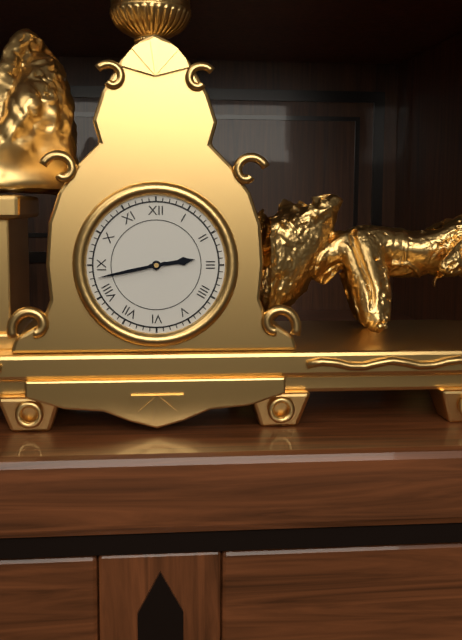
2:43
